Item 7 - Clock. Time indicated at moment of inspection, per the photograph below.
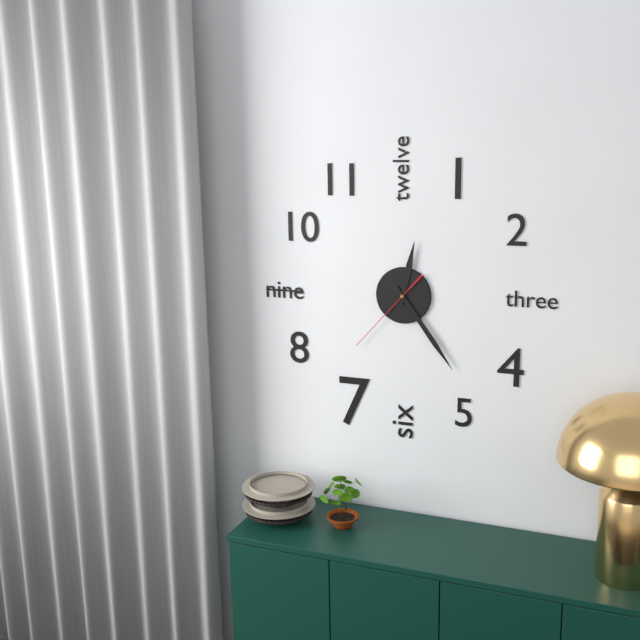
12:24:37
